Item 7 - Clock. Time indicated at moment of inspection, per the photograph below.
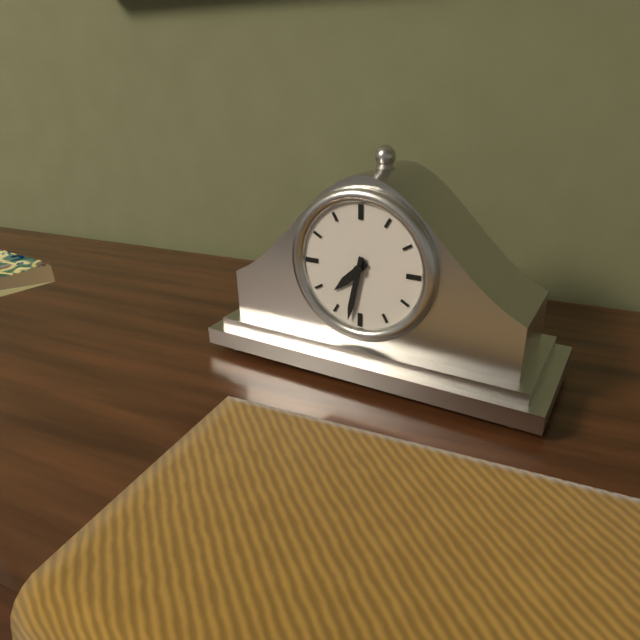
7:32
